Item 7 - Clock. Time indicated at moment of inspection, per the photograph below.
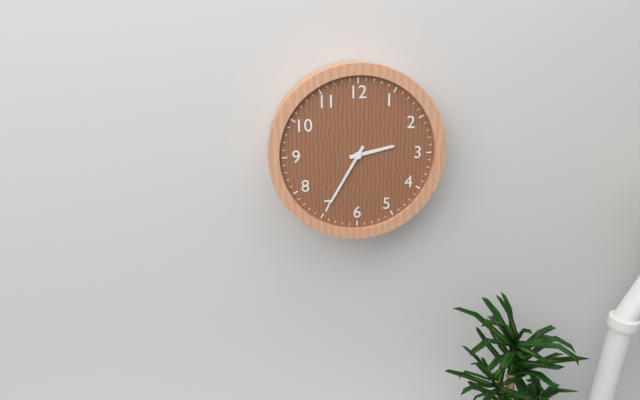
2:35
